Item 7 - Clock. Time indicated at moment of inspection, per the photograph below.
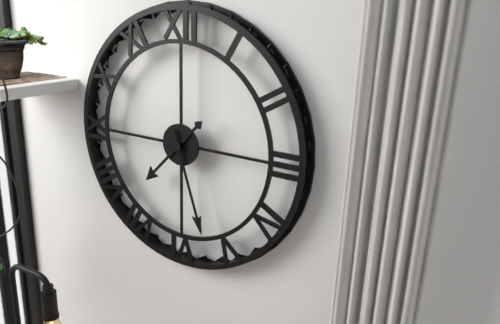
7:27
